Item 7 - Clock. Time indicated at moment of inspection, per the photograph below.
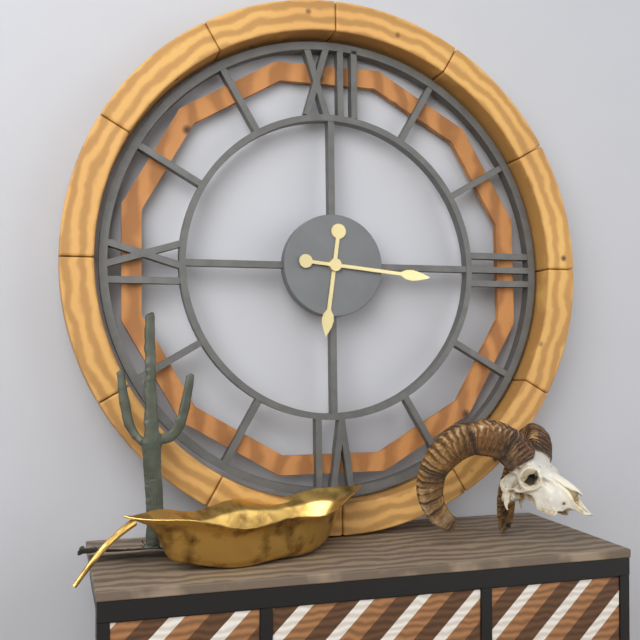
6:16
